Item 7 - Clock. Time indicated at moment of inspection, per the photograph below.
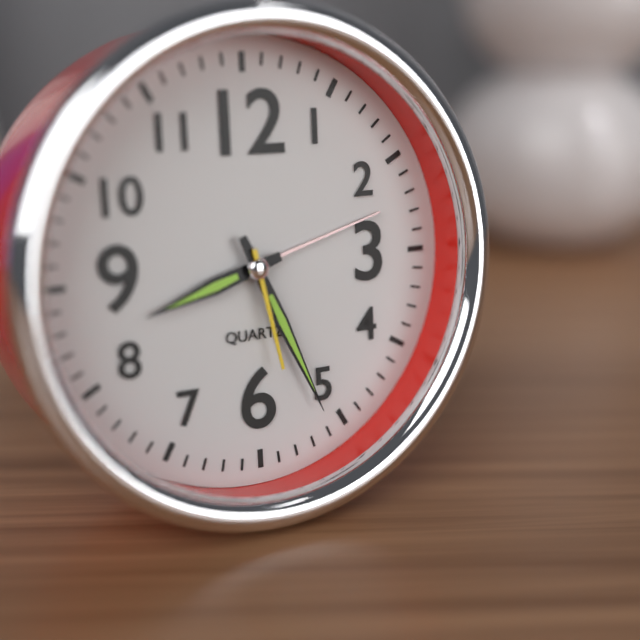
8:26:28
